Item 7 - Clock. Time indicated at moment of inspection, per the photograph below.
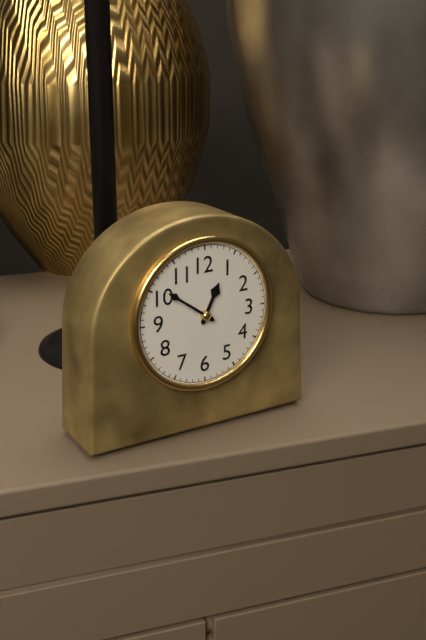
12:51
